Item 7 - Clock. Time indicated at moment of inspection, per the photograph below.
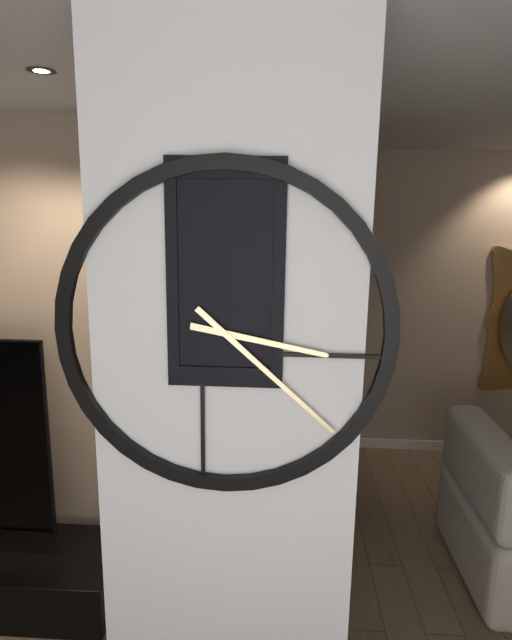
3:22
